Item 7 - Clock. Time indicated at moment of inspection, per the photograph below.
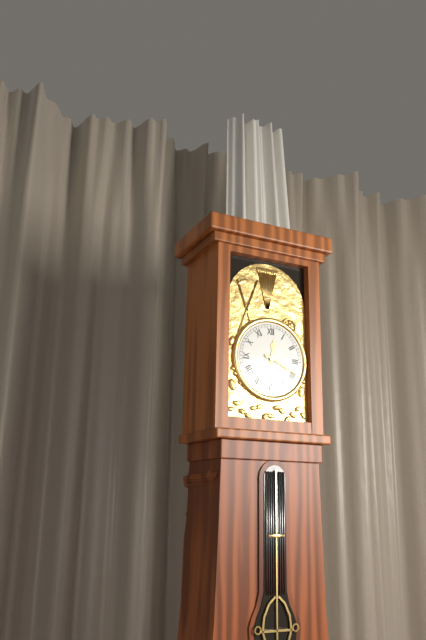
12:19
